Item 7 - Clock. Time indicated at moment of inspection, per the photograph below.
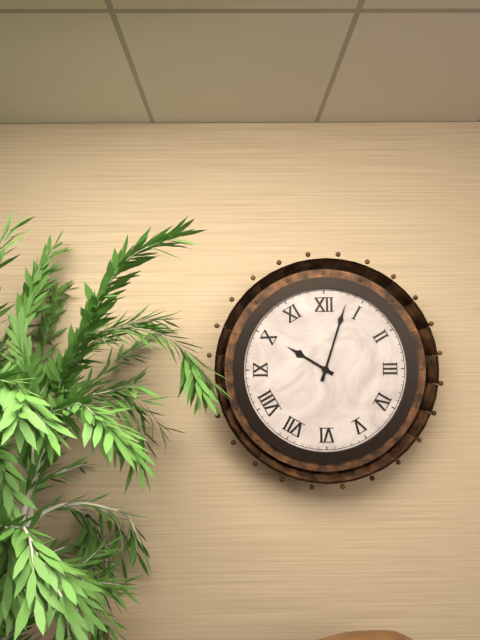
10:03
